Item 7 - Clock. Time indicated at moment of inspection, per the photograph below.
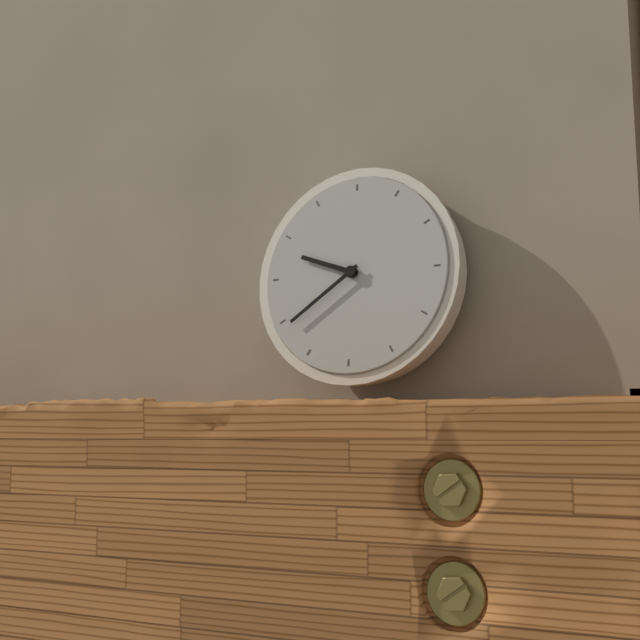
9:39
